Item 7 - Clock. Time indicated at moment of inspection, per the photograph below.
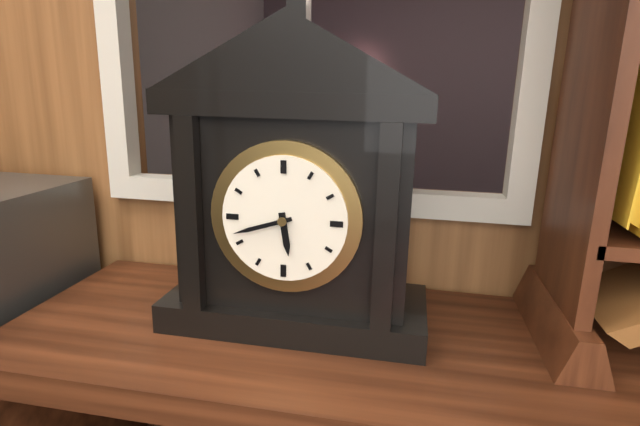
5:42
